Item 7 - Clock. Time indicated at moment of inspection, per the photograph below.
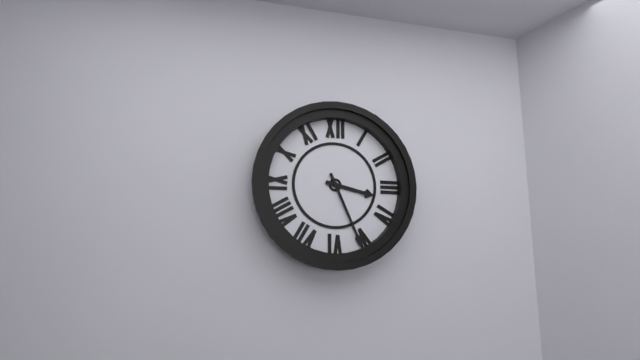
3:26
